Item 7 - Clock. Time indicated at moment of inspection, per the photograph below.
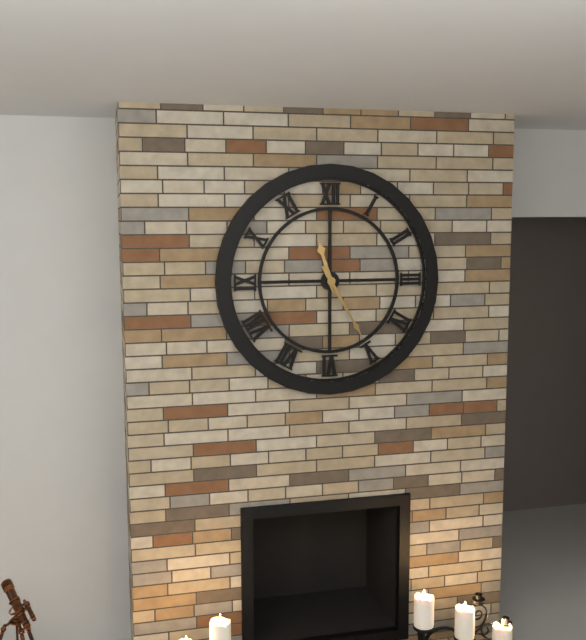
11:25
